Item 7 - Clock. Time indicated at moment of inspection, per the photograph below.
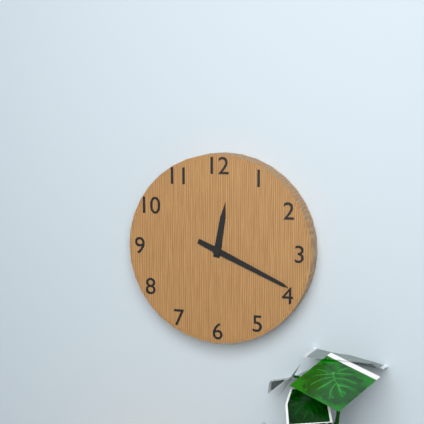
12:19
